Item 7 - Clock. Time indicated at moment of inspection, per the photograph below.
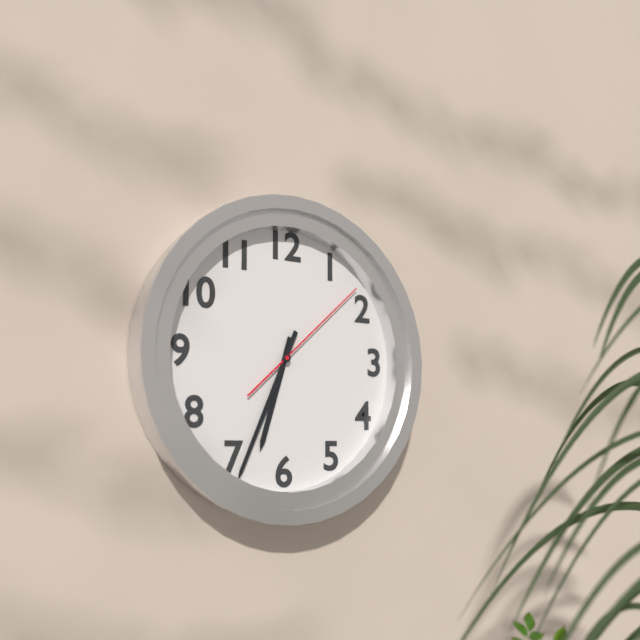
6:34:08
